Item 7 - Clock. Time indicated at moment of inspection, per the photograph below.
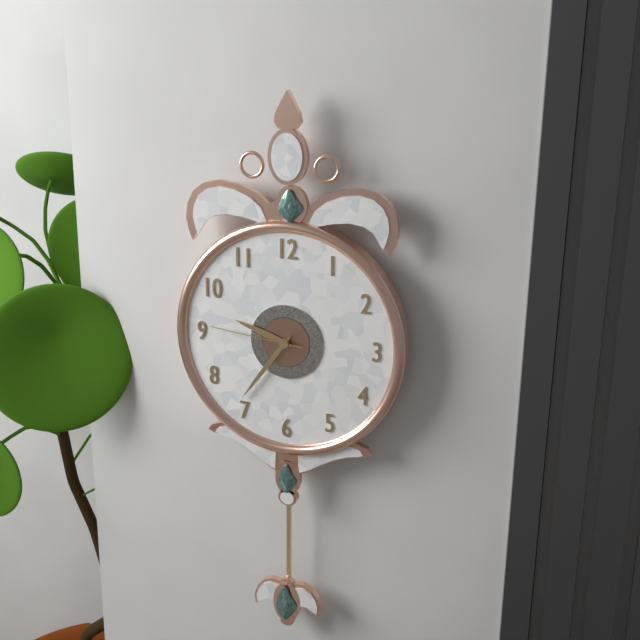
9:36:46
